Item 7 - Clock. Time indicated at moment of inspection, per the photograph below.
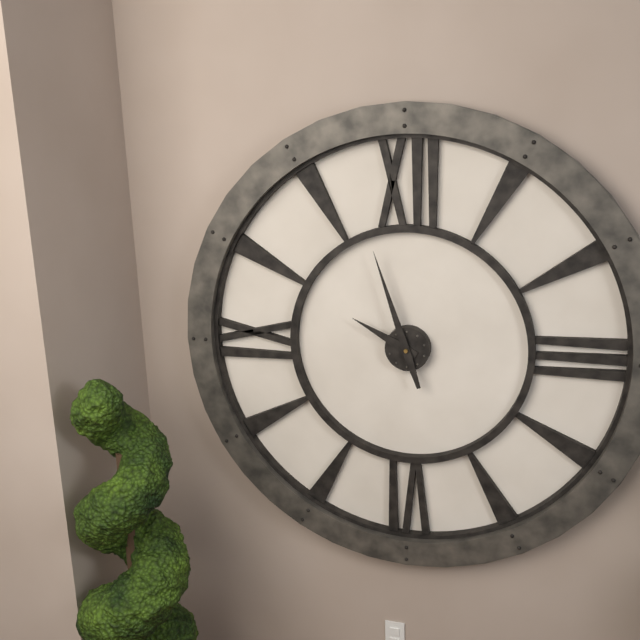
9:57
